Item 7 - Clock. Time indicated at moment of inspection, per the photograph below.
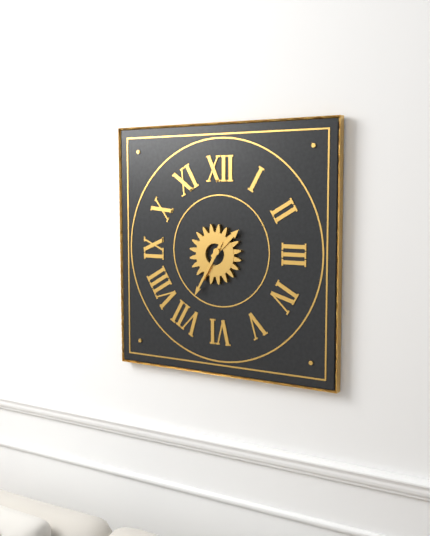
1:35
